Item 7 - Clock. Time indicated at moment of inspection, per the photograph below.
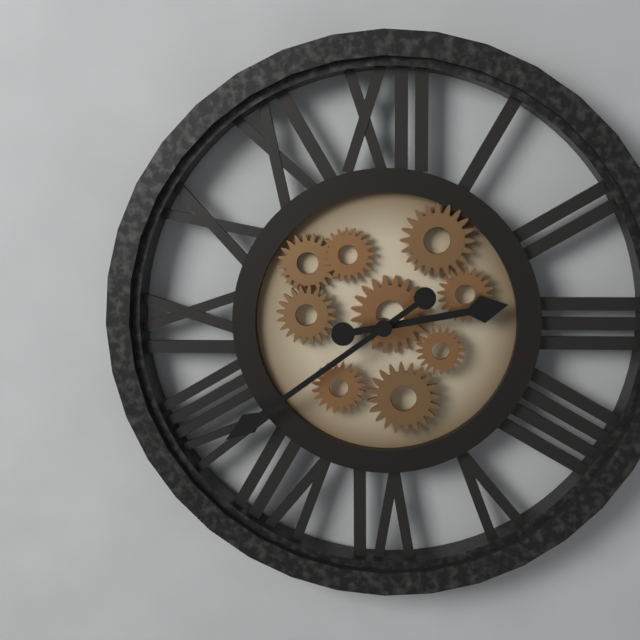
2:39
